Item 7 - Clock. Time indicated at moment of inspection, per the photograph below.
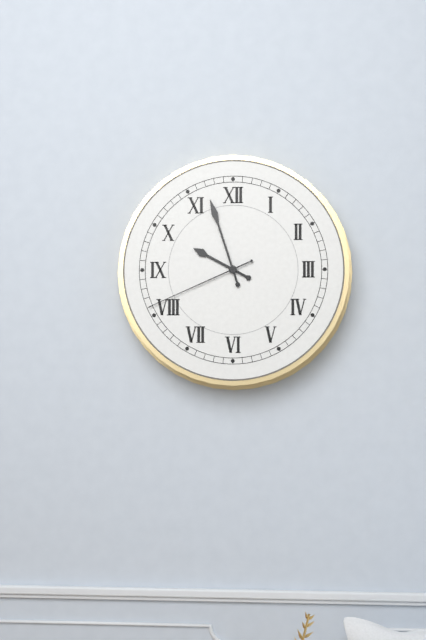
9:57:41
